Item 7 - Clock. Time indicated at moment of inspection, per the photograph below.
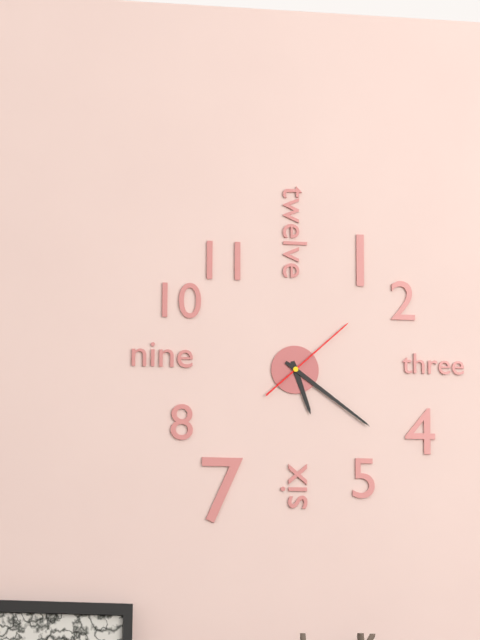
5:21:08
